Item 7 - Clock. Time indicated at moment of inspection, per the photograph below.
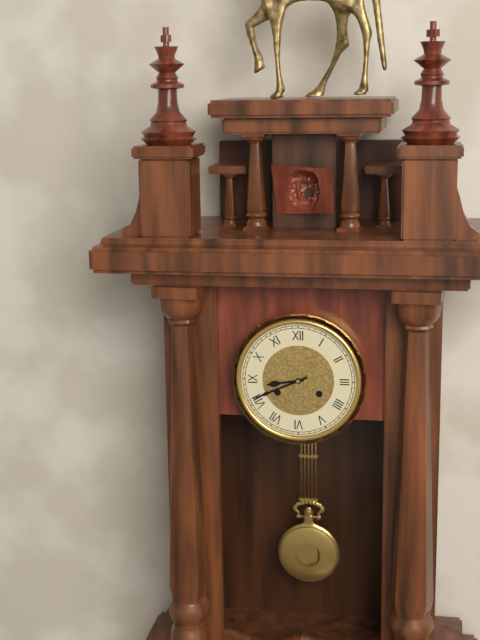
8:41
